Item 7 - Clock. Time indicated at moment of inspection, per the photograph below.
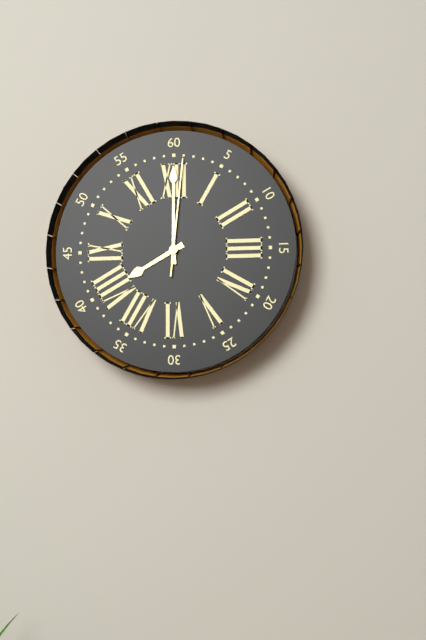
8:00:01
